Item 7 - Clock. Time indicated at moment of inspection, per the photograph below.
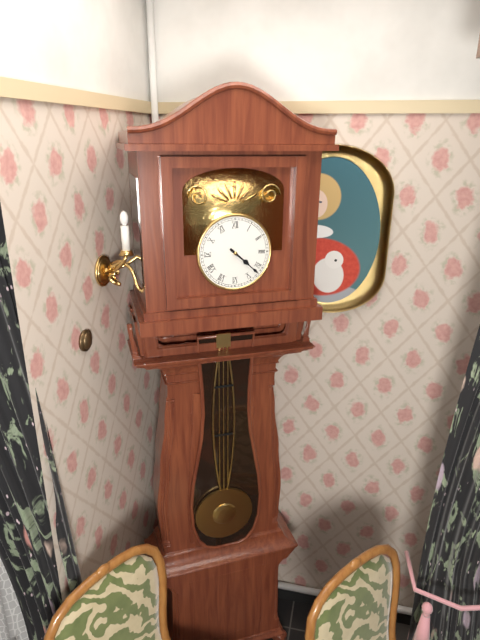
4:22
